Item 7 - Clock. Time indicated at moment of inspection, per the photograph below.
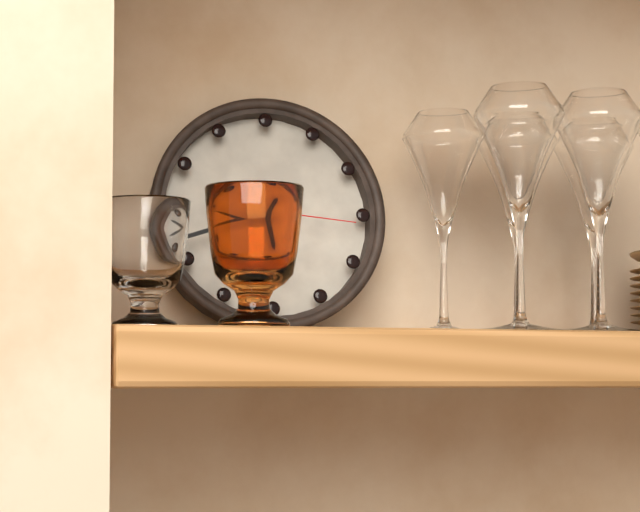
5:42:16
